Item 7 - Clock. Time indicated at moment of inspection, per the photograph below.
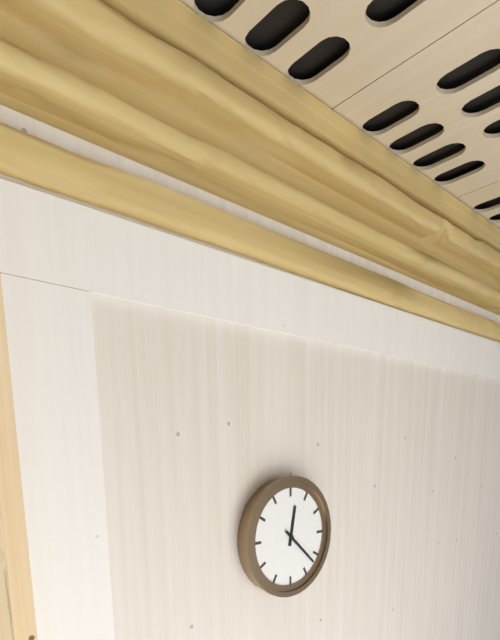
12:22
